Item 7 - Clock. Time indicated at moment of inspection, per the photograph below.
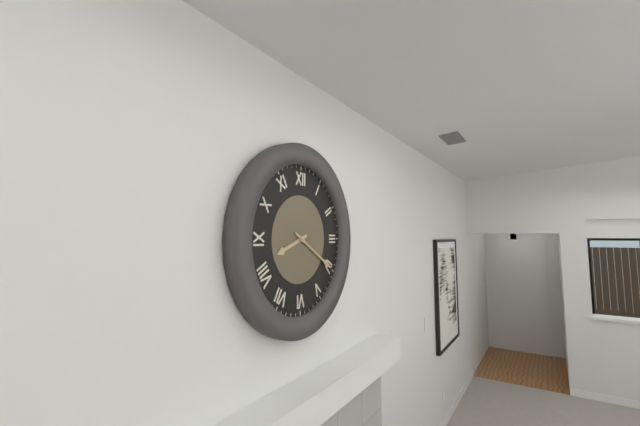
8:20
